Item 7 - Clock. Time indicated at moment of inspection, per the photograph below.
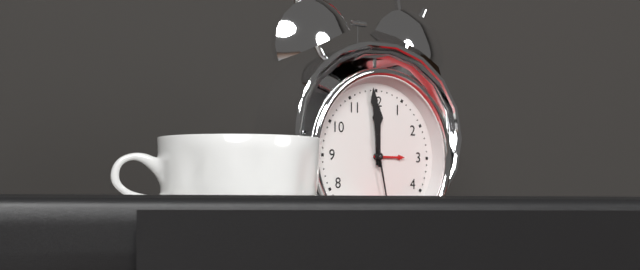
11:59
